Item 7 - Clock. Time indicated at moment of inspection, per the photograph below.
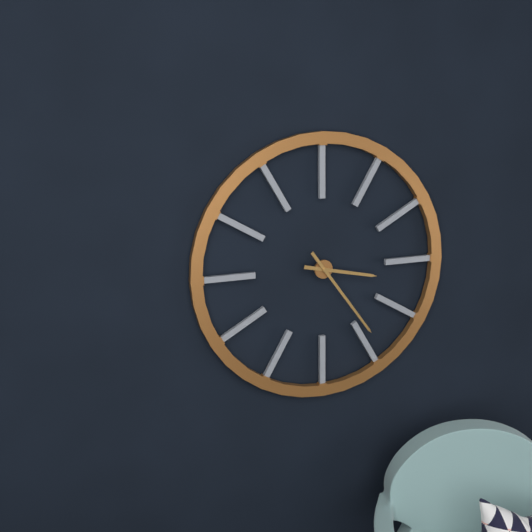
3:24
